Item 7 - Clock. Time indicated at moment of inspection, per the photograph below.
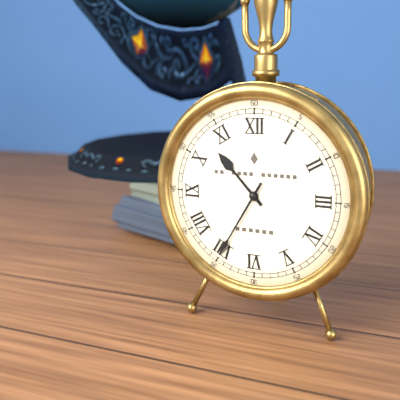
10:35
